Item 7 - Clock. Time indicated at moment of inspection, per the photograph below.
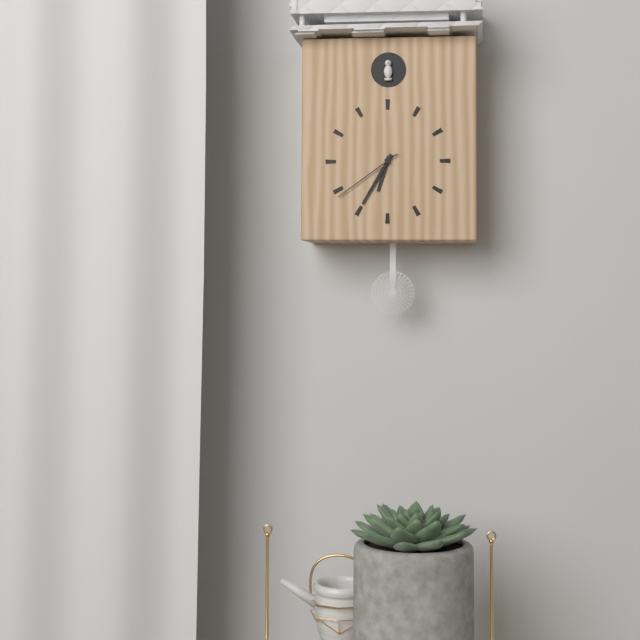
6:35:39
